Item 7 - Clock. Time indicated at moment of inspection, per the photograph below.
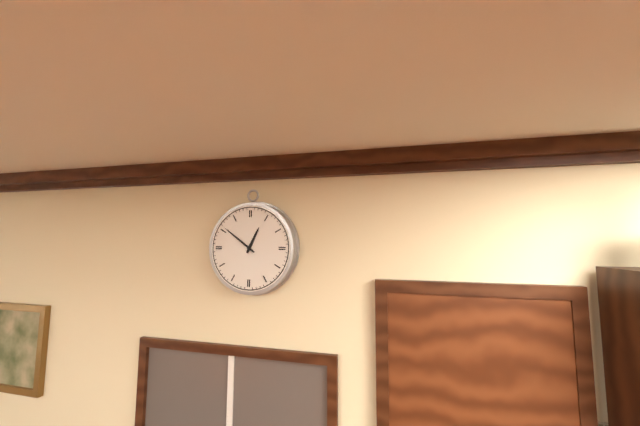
12:51
